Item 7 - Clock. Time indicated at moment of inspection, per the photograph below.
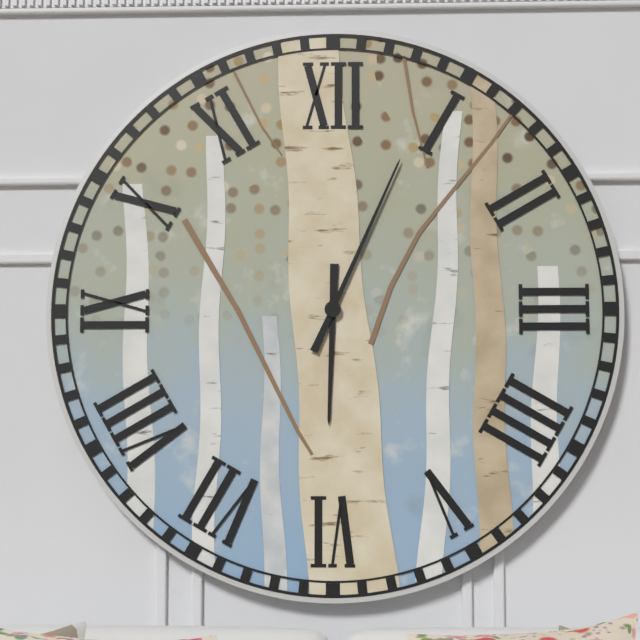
6:04
